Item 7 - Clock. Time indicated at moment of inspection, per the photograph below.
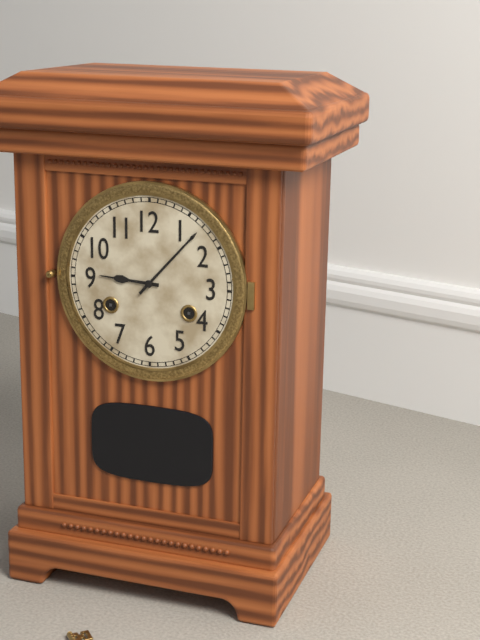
9:07
